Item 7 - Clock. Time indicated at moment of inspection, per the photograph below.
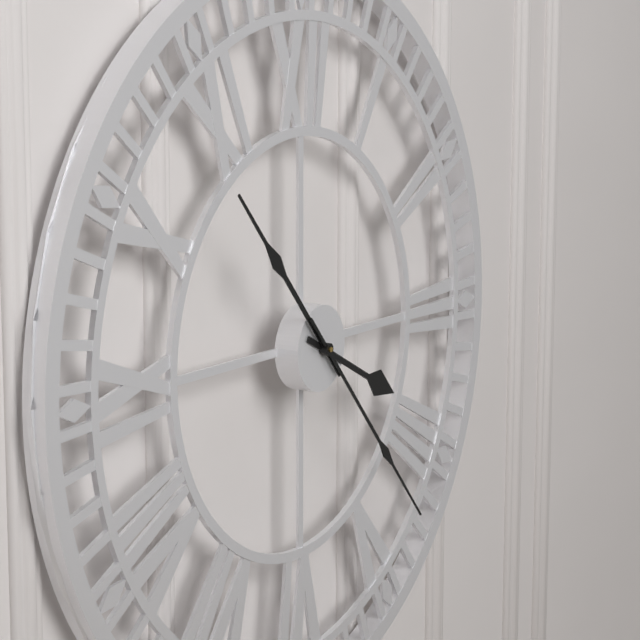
3:53:23
